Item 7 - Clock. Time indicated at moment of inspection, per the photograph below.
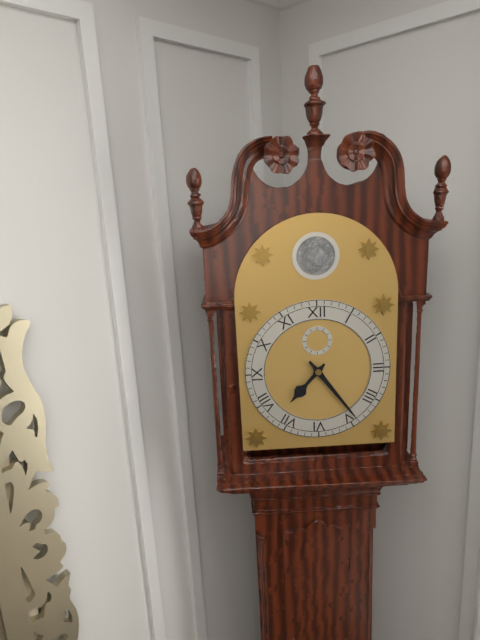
7:24
